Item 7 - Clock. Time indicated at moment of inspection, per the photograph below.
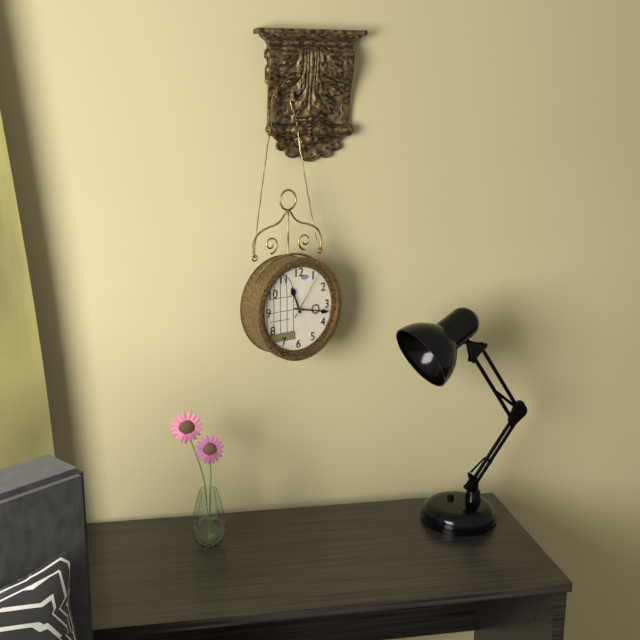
11:17:06
